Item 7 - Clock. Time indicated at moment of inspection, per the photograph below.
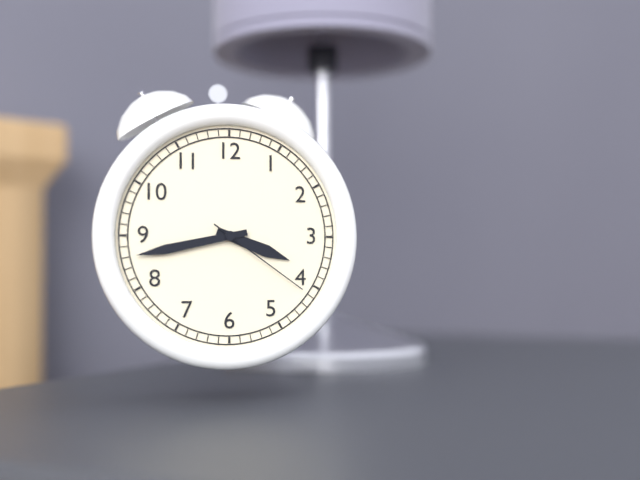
3:43:21
